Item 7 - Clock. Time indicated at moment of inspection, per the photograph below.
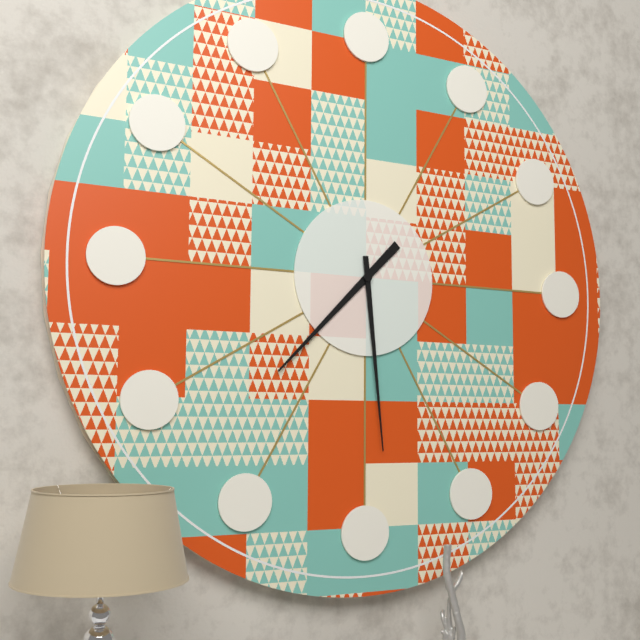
7:29
